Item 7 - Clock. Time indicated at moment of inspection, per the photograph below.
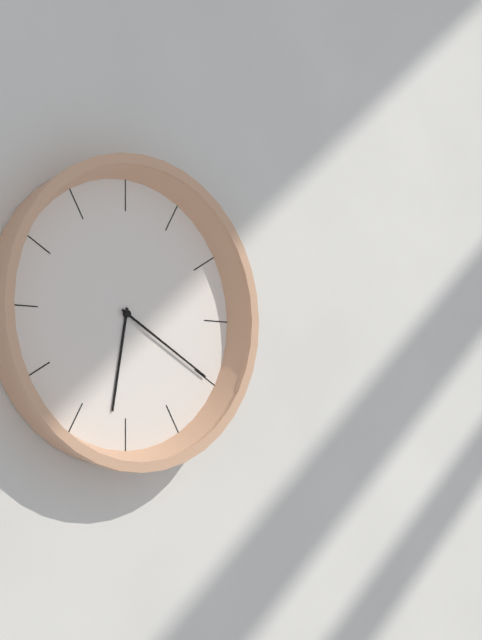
6:20
